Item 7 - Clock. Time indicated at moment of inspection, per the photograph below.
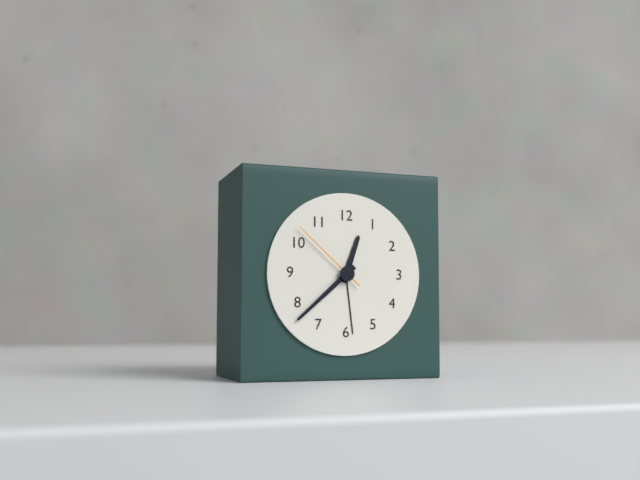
12:38:52
